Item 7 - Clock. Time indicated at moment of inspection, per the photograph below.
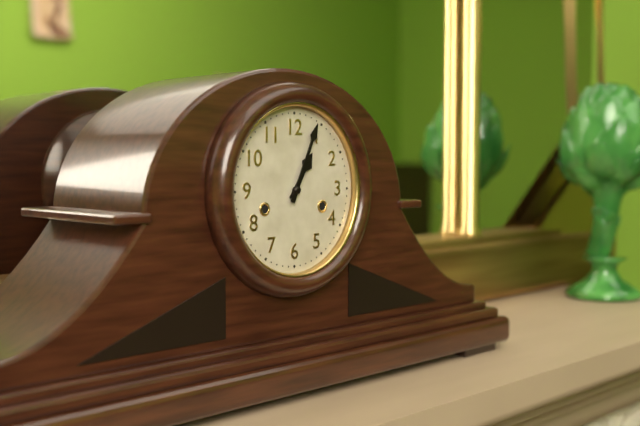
1:04
